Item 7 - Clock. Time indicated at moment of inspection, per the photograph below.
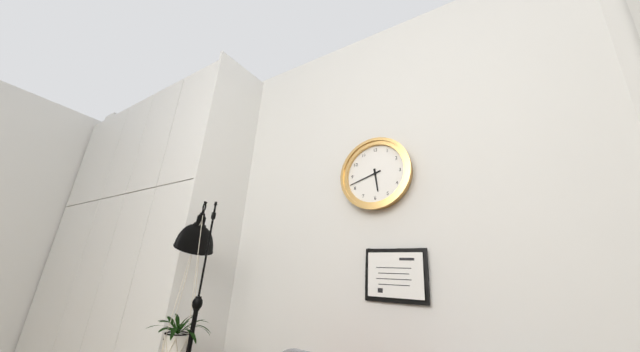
5:42
